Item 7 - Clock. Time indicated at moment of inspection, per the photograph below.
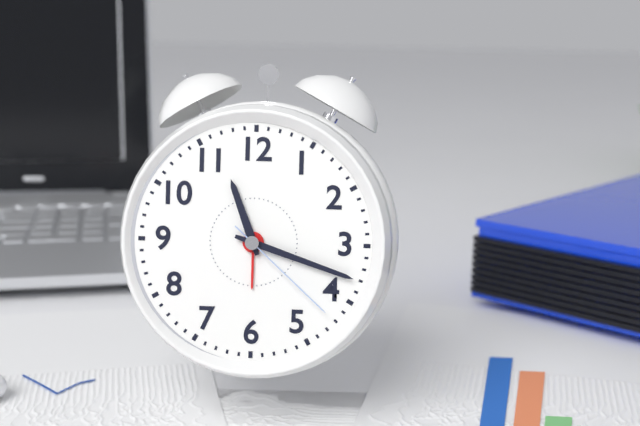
11:18:22
